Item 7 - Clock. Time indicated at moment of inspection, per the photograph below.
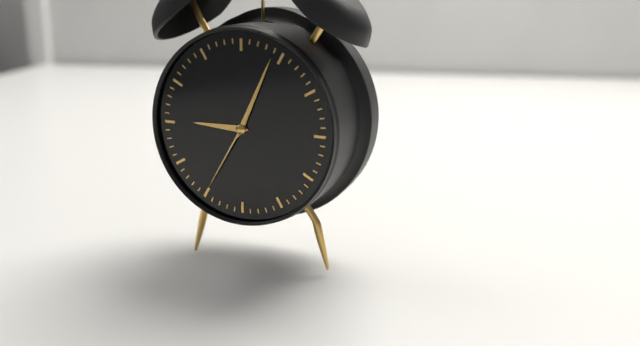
9:04:35
